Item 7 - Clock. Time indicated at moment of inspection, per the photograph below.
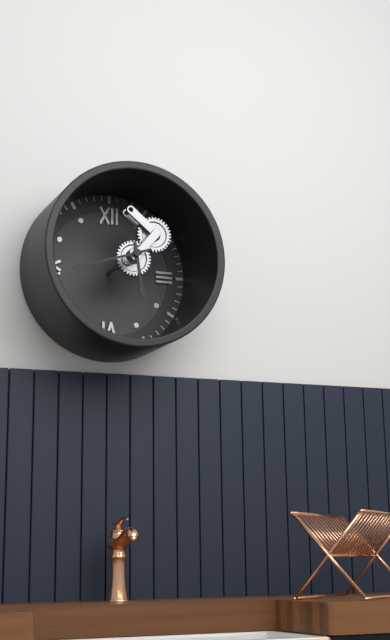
5:42
